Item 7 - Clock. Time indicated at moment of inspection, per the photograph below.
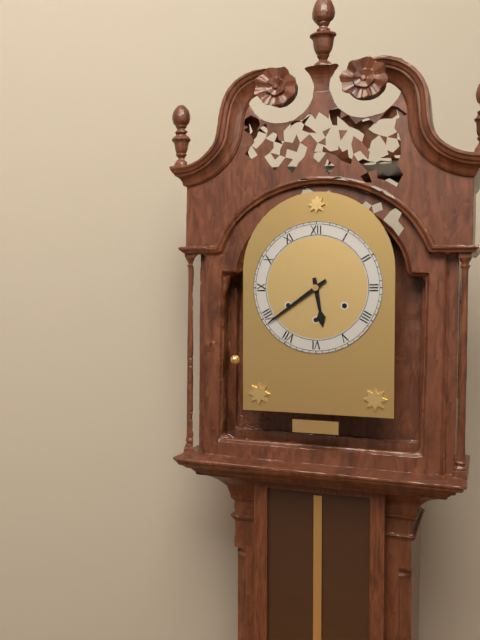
5:39
